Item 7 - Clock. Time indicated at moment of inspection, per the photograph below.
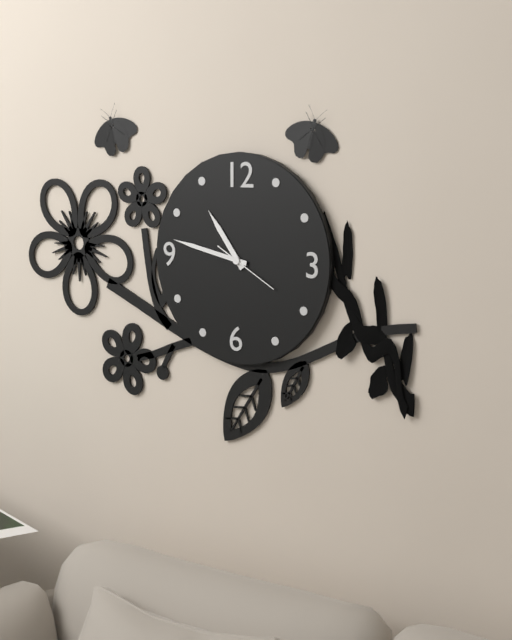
10:47:20
